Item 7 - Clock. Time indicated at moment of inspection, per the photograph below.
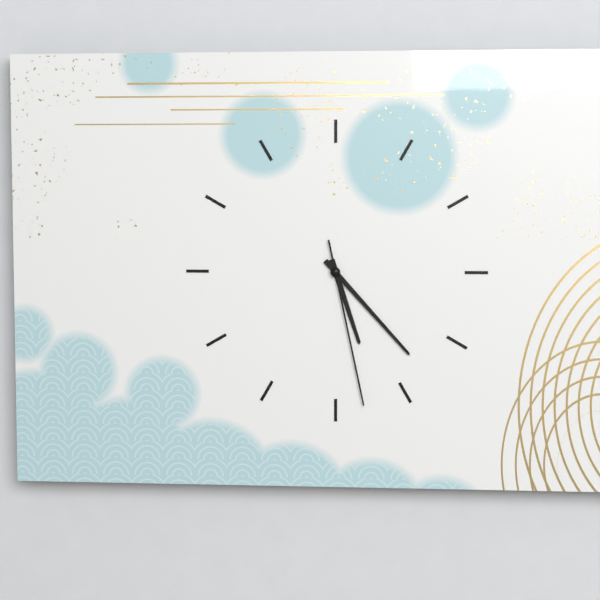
5:23:28
